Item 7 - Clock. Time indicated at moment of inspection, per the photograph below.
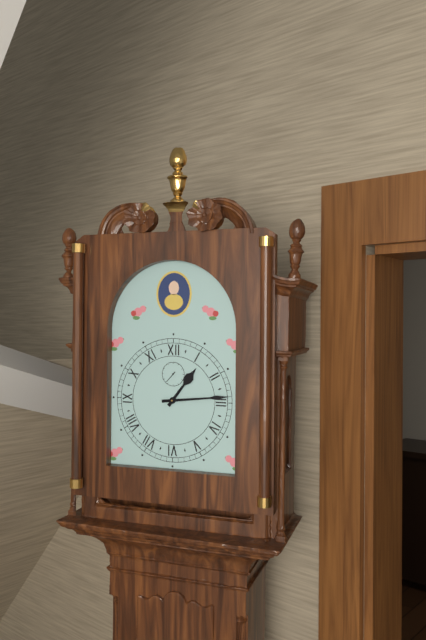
1:14
